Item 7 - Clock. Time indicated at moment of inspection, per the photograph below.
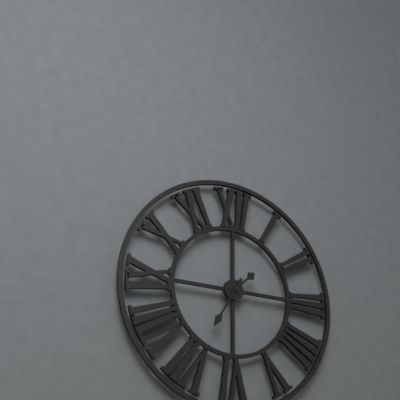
1:35
